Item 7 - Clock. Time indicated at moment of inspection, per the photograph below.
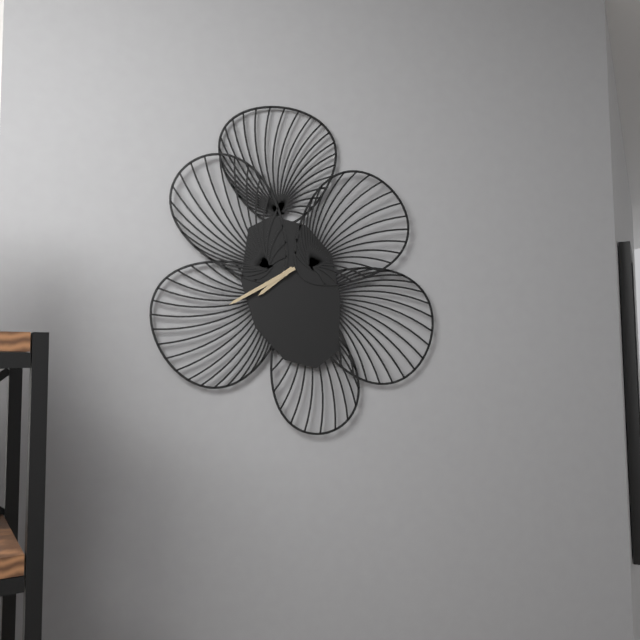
7:40
